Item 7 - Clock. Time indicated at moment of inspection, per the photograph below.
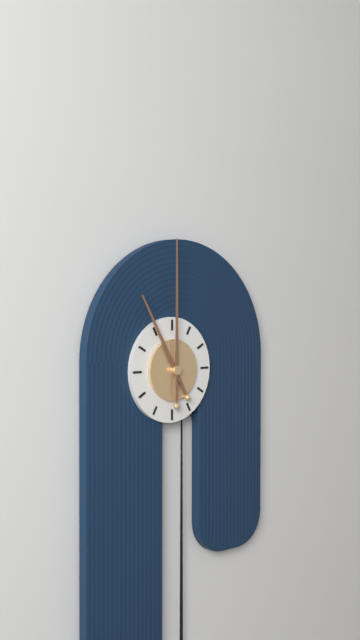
11:00
